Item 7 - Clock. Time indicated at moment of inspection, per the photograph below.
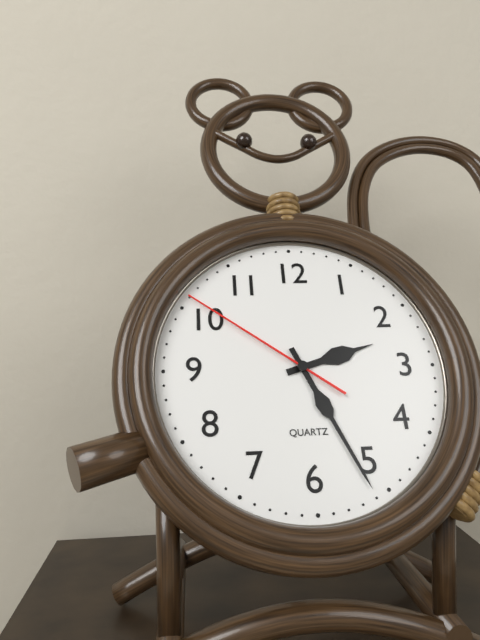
2:26:51
